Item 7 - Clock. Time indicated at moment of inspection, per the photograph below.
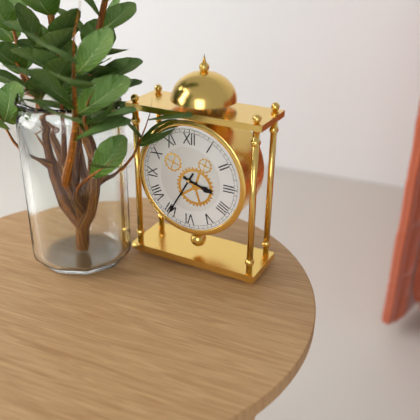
3:35
